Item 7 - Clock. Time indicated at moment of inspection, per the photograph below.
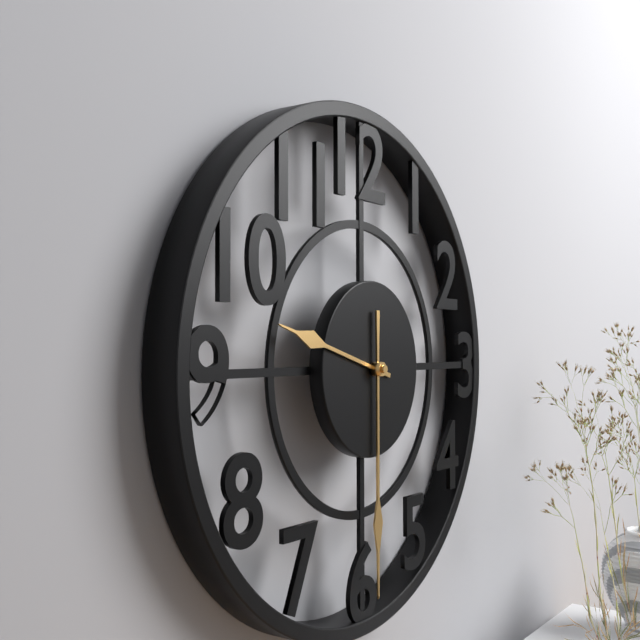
9:30
